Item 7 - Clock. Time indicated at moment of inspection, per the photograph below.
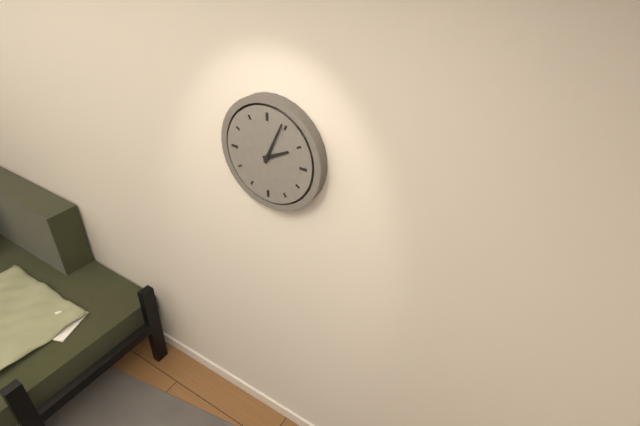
2:04
